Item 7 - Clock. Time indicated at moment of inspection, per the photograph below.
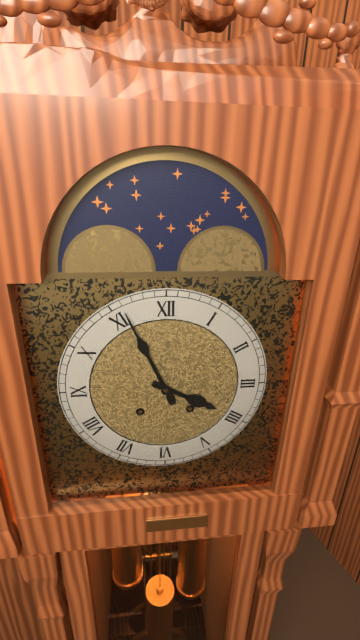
3:56
